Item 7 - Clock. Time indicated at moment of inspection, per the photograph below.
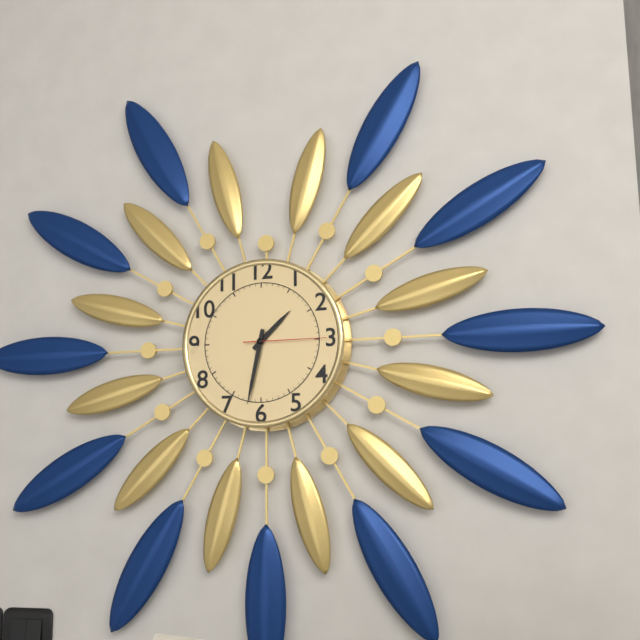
1:32:15
